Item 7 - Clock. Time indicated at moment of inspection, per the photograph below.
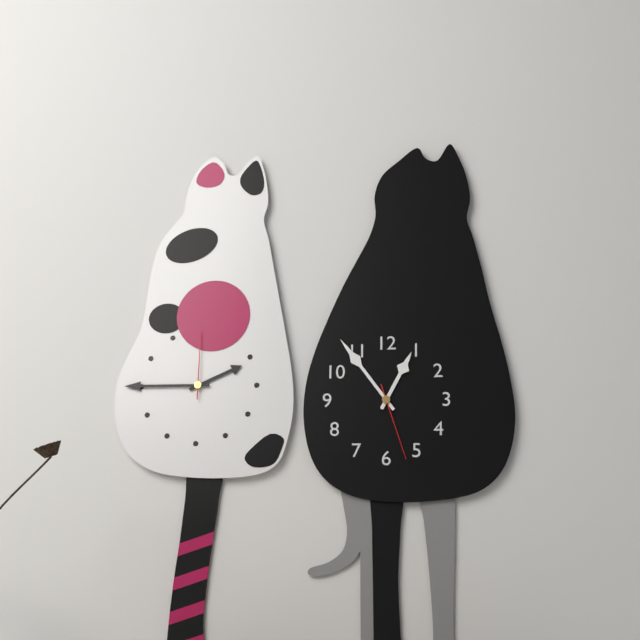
12:54:27
